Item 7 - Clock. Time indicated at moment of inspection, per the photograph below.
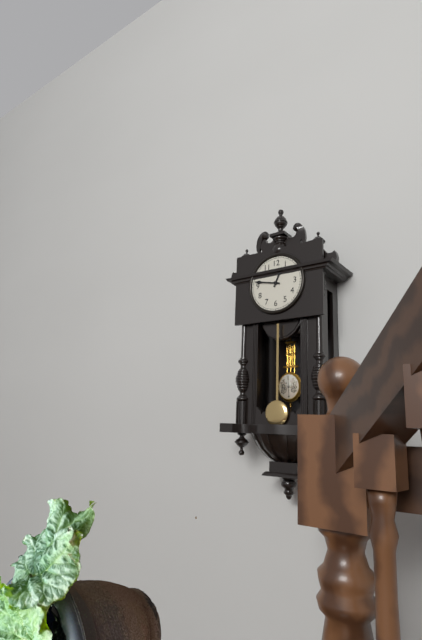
12:47
